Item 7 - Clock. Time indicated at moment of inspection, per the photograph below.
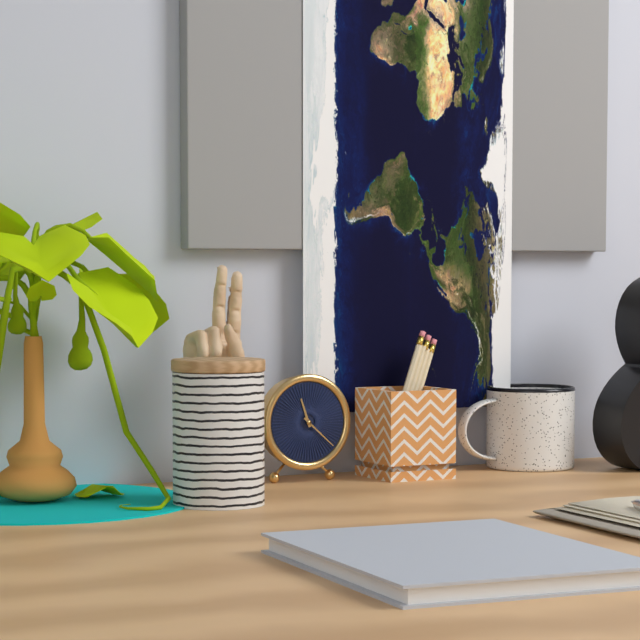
11:22
